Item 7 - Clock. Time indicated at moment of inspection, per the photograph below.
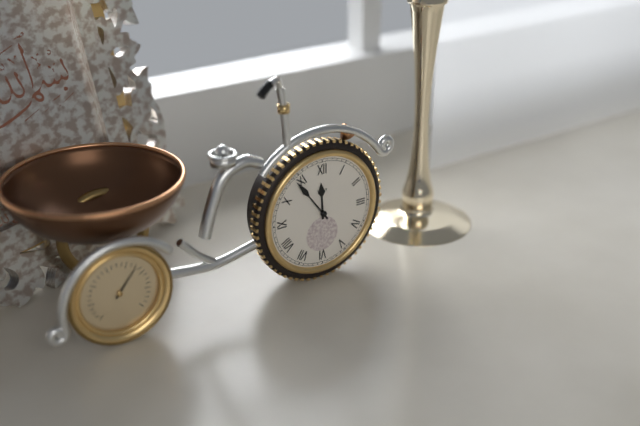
11:54
